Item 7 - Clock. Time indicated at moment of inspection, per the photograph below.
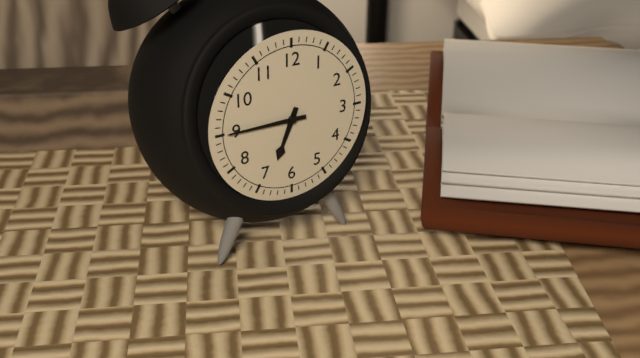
6:45
